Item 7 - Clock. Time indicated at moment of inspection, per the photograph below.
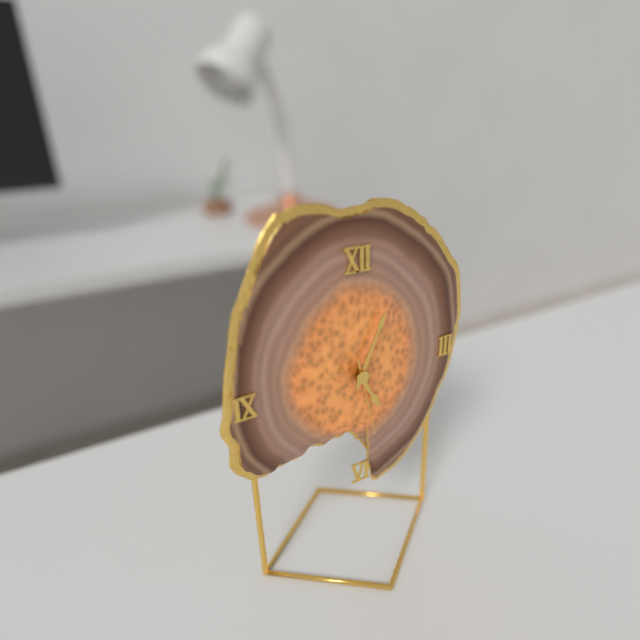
5:04:28
